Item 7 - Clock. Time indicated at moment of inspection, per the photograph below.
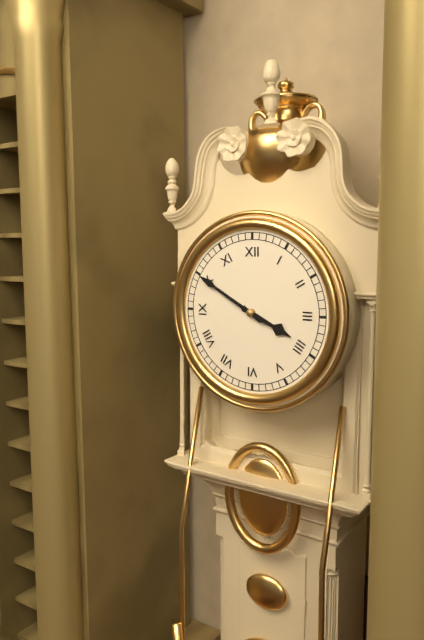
3:50
